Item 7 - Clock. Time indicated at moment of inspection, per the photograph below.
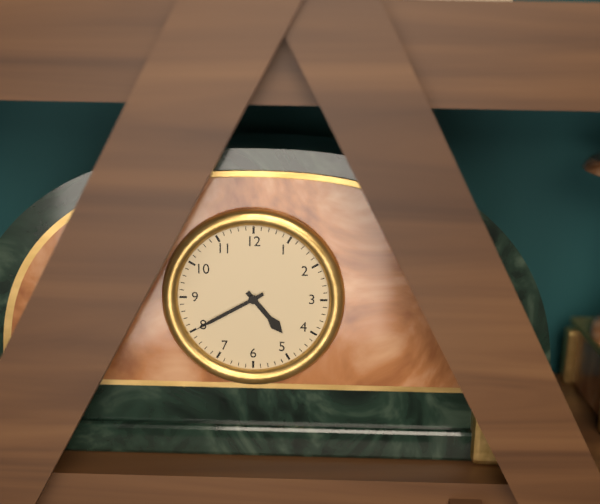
4:40
